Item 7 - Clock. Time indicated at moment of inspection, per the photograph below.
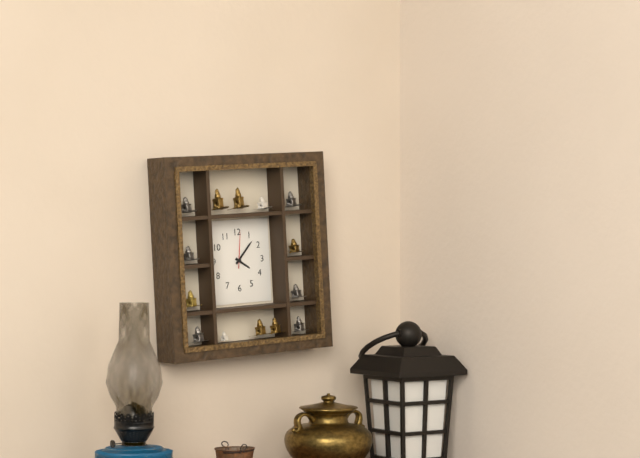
4:07
